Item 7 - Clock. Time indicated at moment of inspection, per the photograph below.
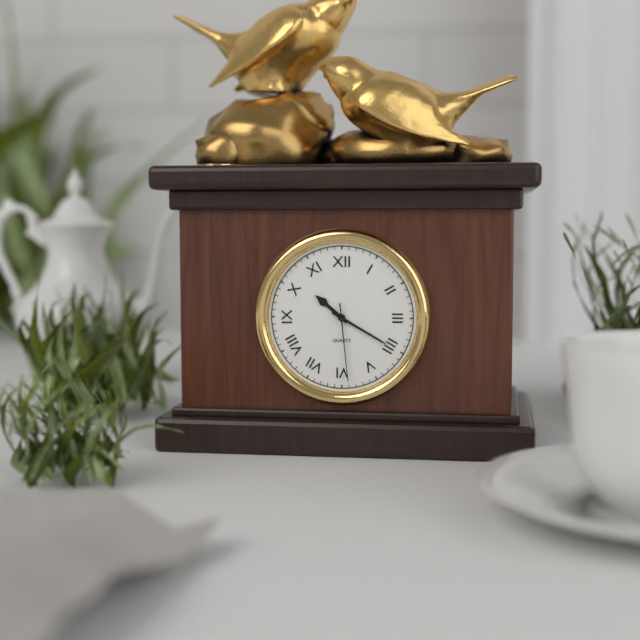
10:20:29
